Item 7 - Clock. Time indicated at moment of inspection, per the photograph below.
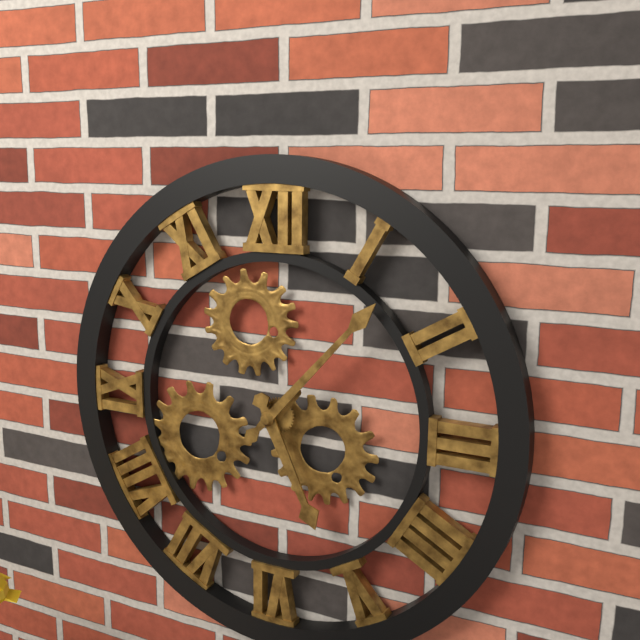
5:07
